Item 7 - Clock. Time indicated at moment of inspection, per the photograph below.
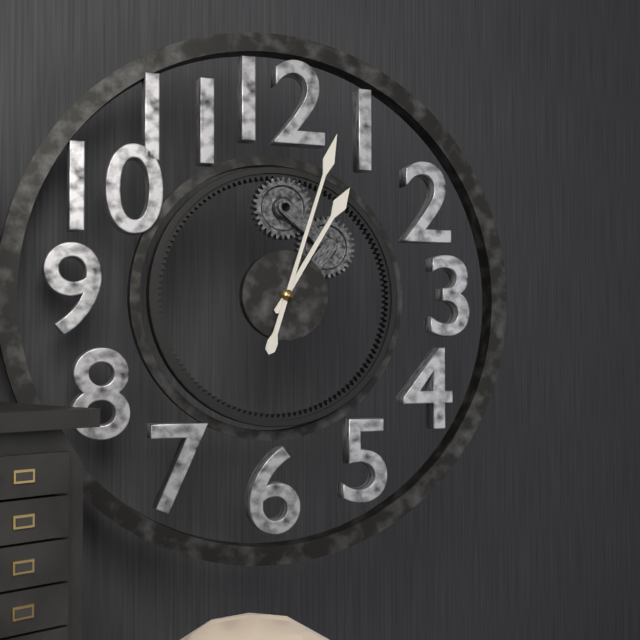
1:03
